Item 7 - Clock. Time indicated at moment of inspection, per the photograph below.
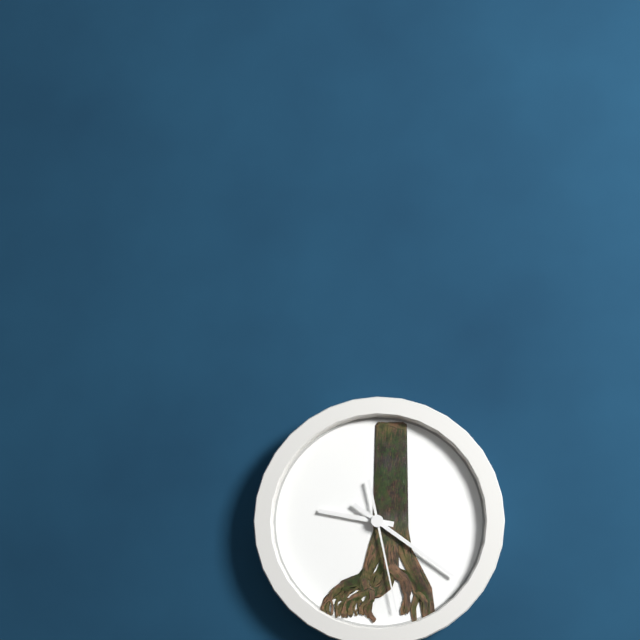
9:21:28
